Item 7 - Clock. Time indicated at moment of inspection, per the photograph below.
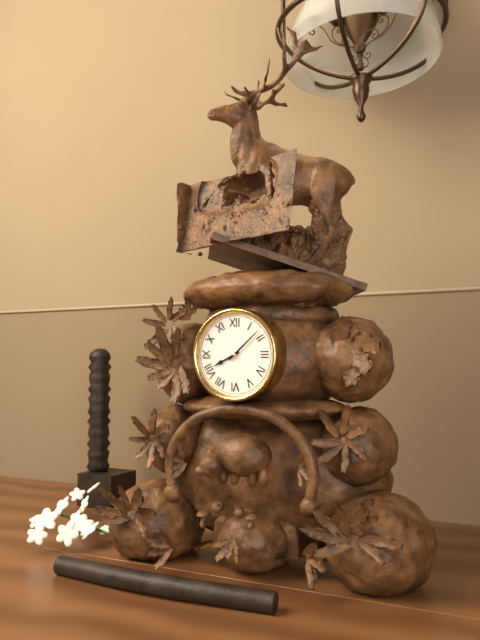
8:08
